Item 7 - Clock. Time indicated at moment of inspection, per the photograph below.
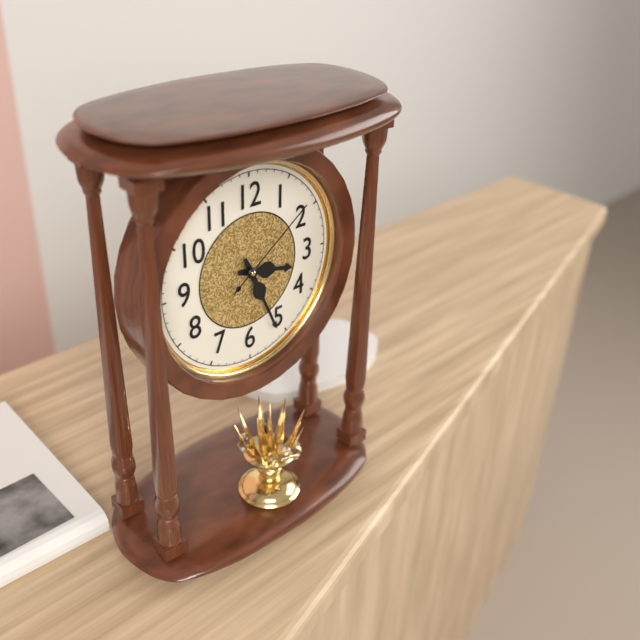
3:26:09
